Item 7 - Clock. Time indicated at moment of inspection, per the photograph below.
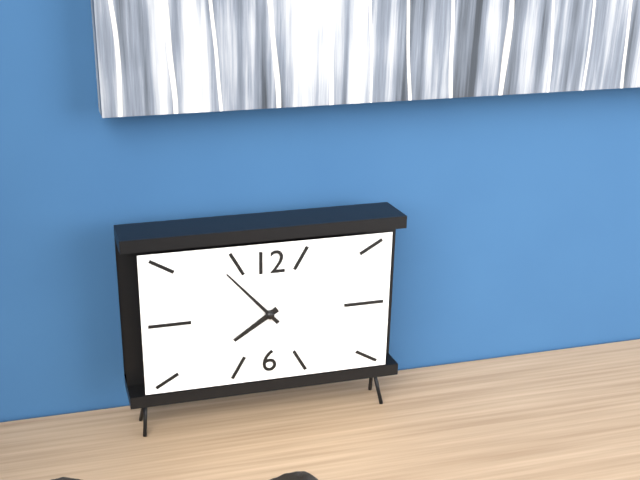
7:53
